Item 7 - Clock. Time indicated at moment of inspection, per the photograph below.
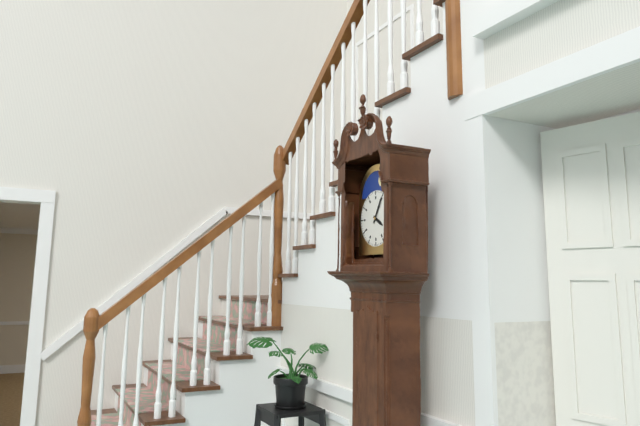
4:05
